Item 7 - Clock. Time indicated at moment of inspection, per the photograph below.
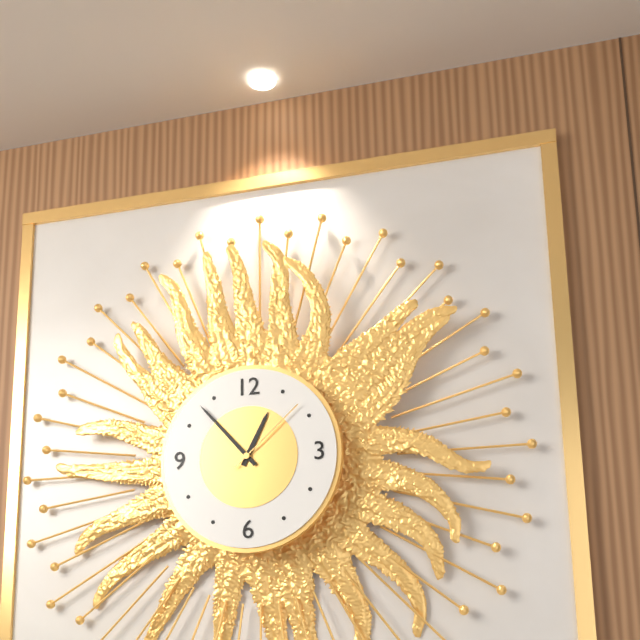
12:53:08
